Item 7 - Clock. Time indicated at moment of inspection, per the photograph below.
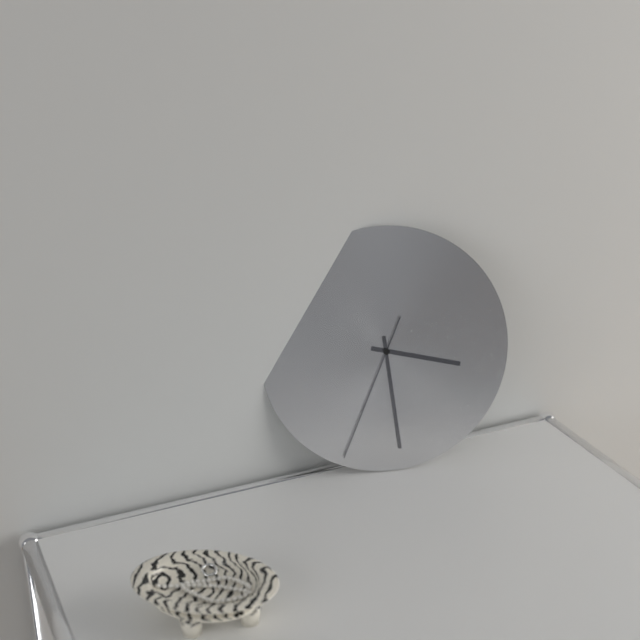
3:29:34
